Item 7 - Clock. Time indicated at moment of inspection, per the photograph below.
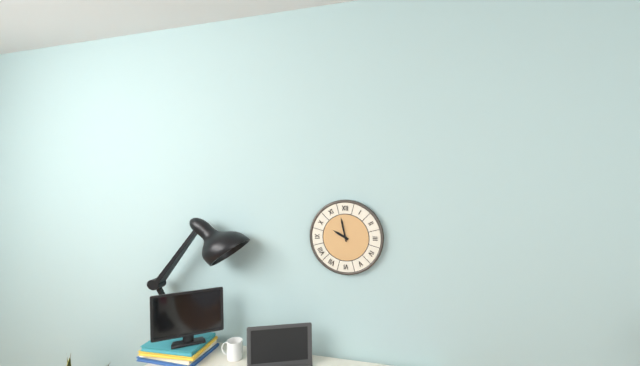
9:58
